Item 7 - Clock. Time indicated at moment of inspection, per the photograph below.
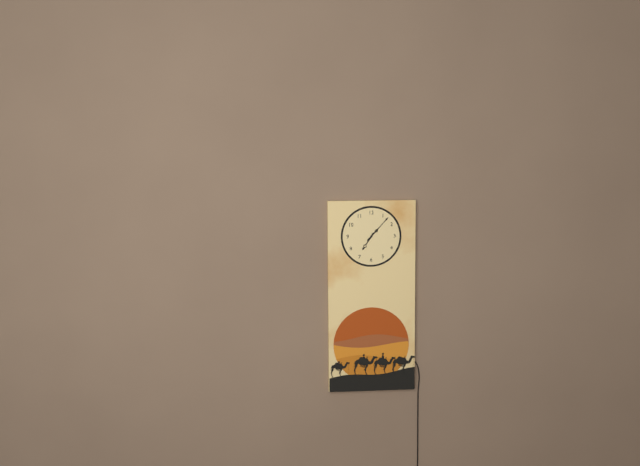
7:07
